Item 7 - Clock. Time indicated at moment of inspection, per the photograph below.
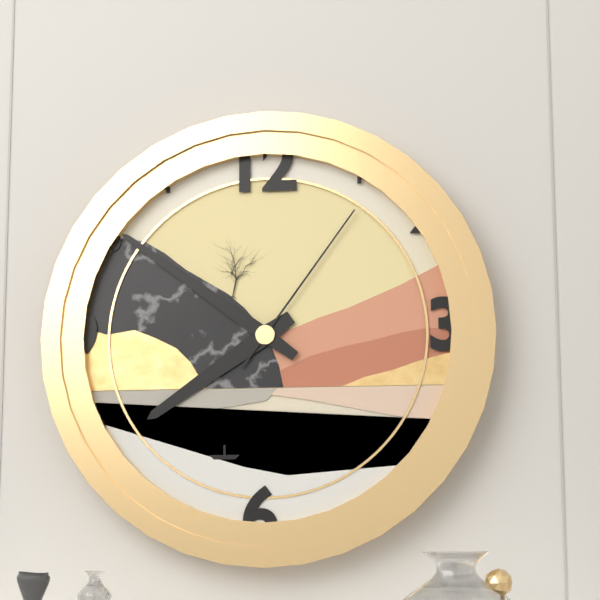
7:51:06
